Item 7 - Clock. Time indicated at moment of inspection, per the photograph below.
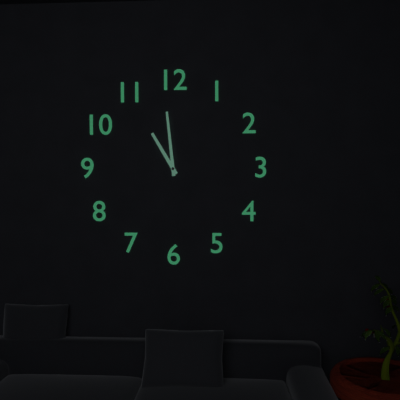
10:59
